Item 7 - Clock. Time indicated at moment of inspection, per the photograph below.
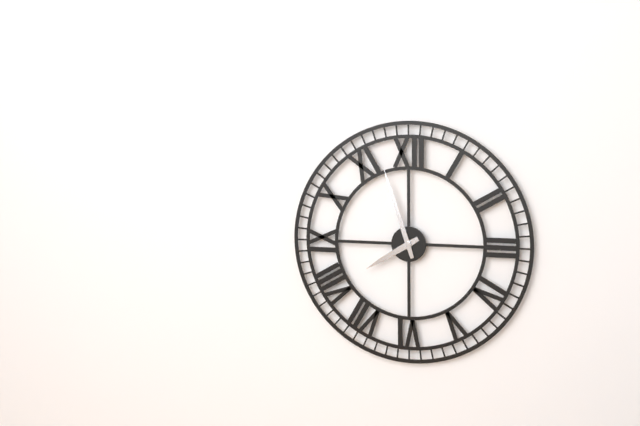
7:57
